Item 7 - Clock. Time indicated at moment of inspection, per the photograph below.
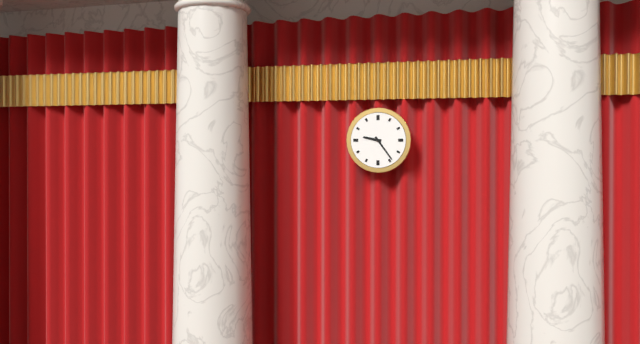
9:24
